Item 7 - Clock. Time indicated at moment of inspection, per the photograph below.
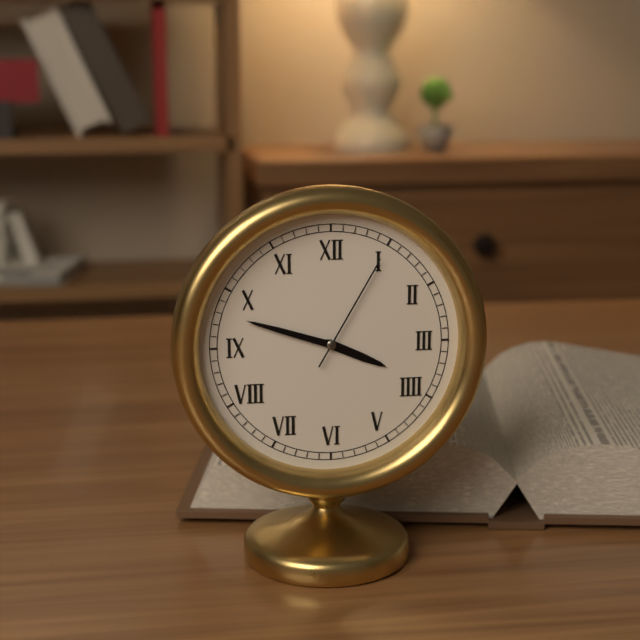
3:48:05
